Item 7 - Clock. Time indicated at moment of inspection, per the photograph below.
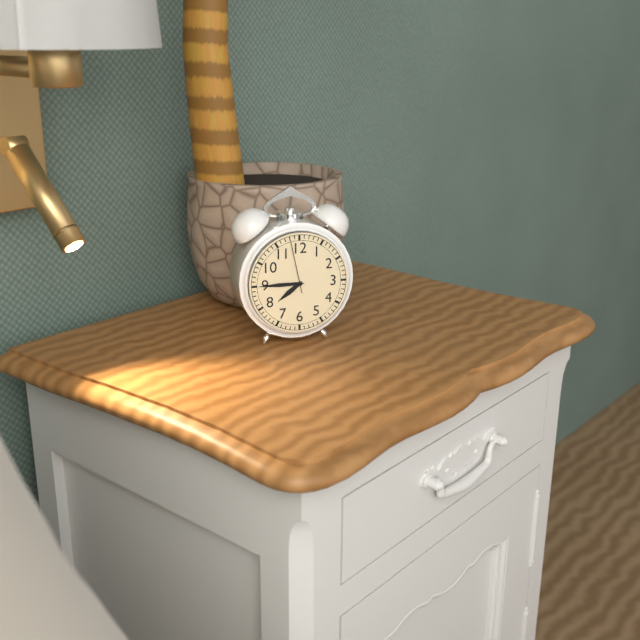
7:45:58
